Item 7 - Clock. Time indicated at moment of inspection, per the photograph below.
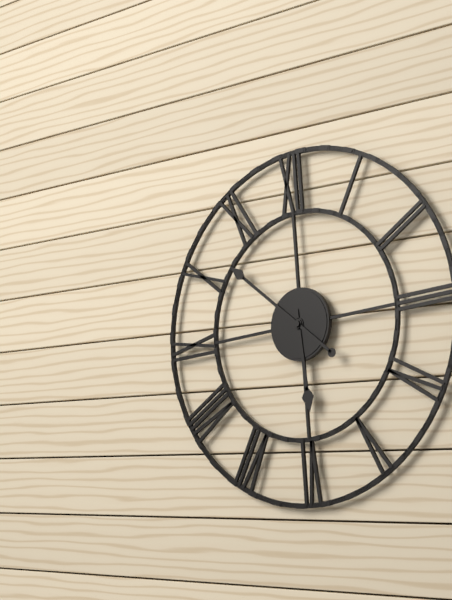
5:52
